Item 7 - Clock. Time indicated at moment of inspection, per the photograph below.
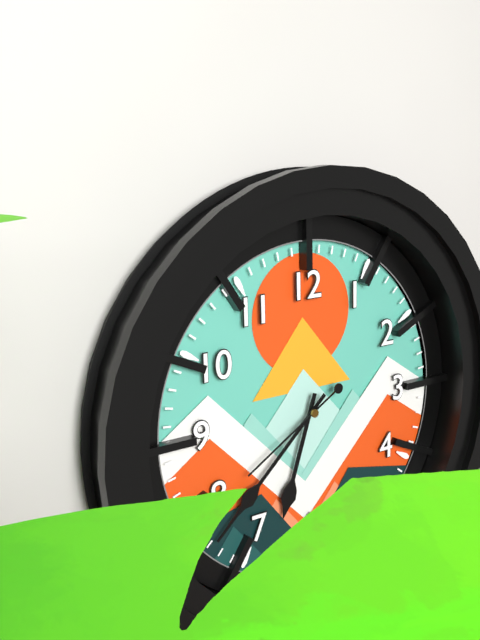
6:38:40
